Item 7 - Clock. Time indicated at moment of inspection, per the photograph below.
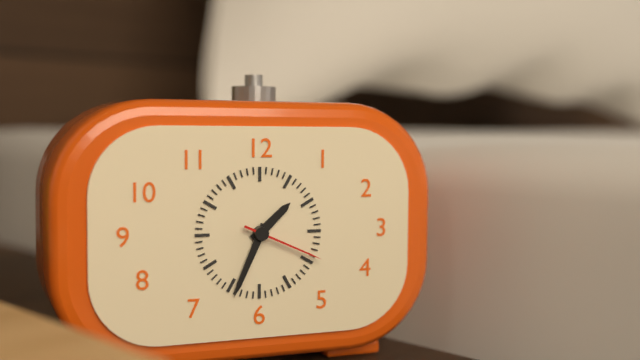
1:34:19
